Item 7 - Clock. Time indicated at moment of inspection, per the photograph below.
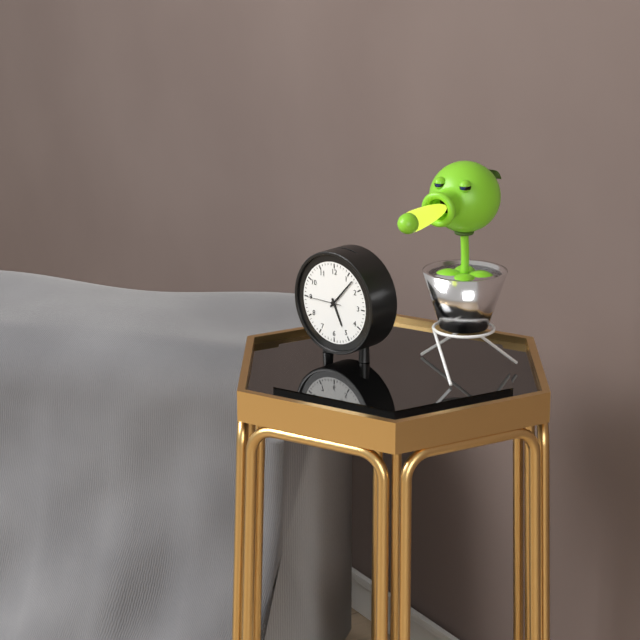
5:07
